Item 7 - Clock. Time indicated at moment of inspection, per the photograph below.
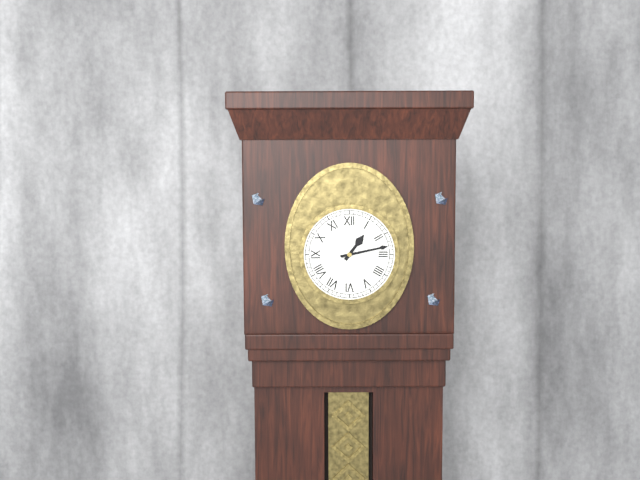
1:13
